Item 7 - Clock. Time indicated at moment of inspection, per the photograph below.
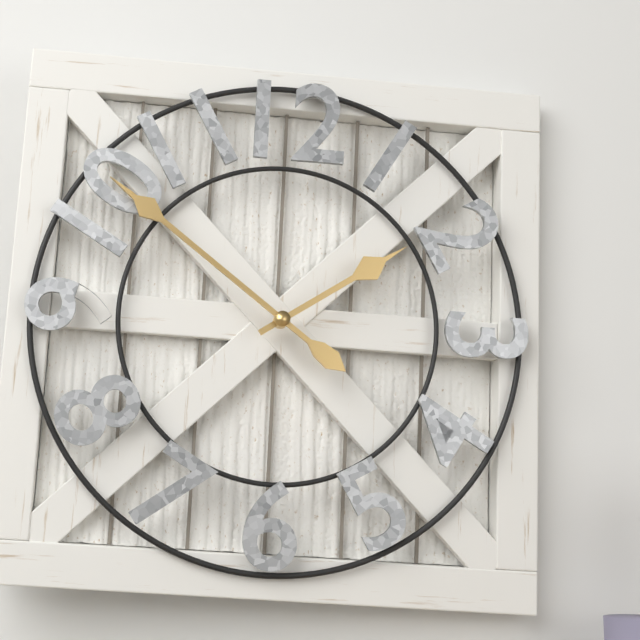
1:51
